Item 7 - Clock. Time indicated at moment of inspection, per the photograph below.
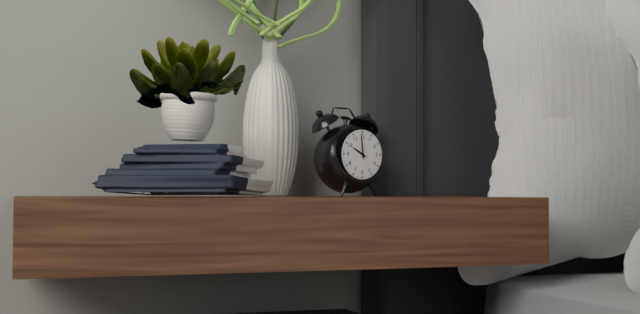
9:59
